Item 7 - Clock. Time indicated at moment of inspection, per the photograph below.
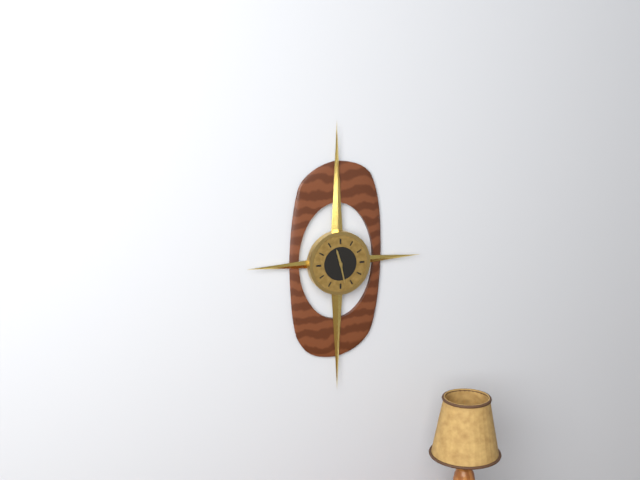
11:28
